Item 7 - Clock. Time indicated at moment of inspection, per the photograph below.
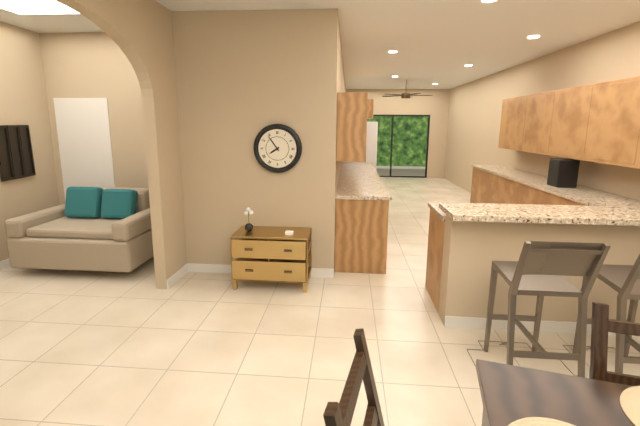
7:54
